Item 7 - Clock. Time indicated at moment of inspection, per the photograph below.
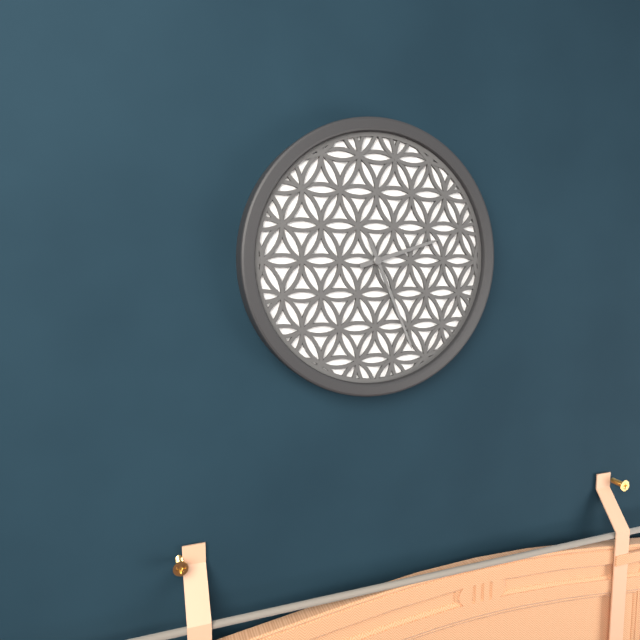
2:26
